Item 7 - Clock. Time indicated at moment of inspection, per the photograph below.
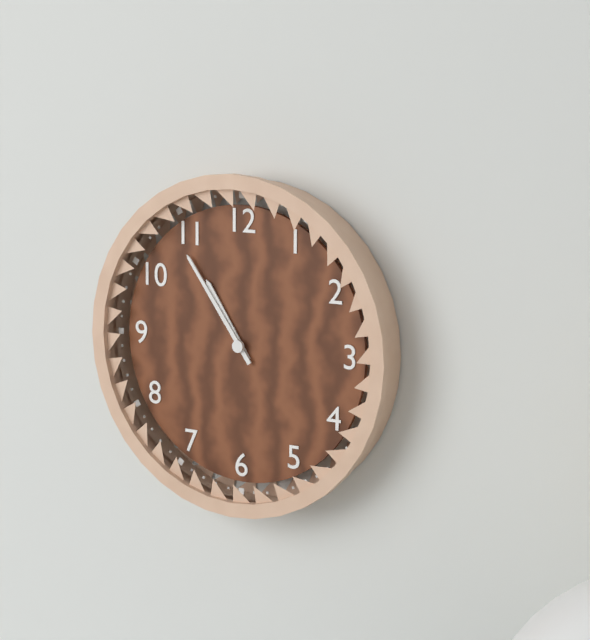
10:54
